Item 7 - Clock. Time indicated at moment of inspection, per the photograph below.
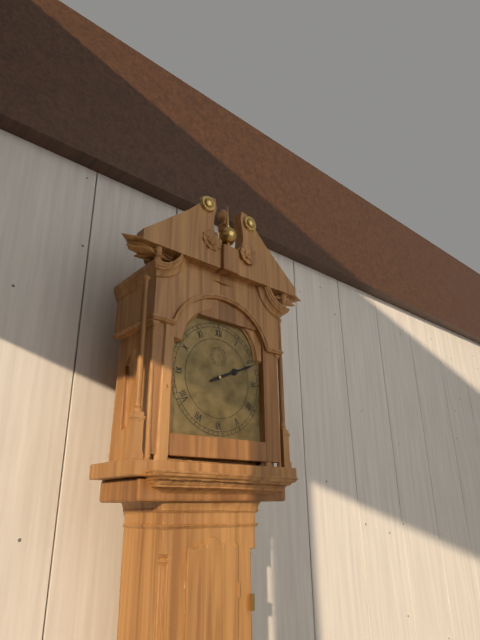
2:11
